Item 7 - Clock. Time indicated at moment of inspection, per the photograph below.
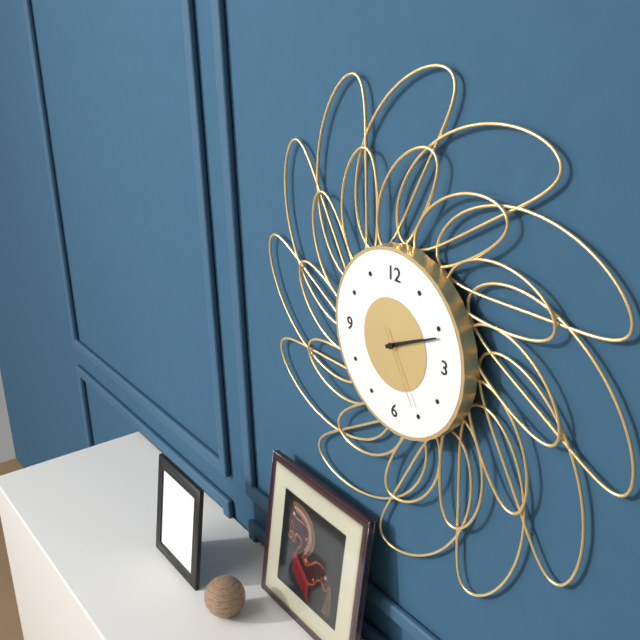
2:11:25
